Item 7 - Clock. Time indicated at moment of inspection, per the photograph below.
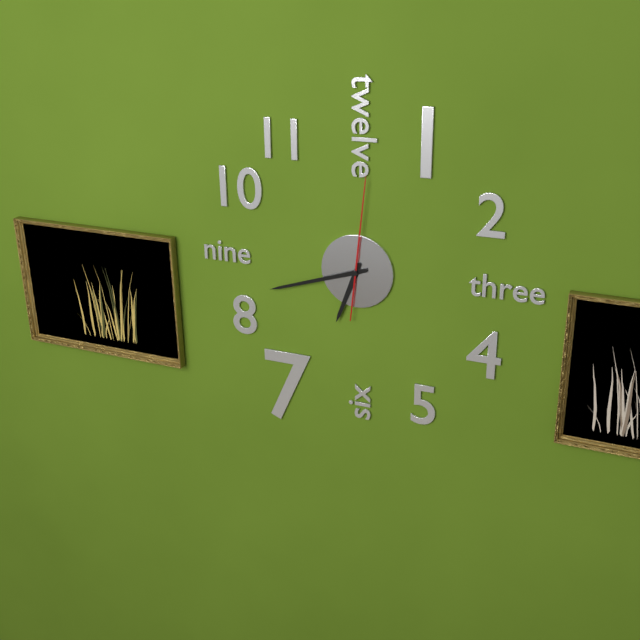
6:42:01
